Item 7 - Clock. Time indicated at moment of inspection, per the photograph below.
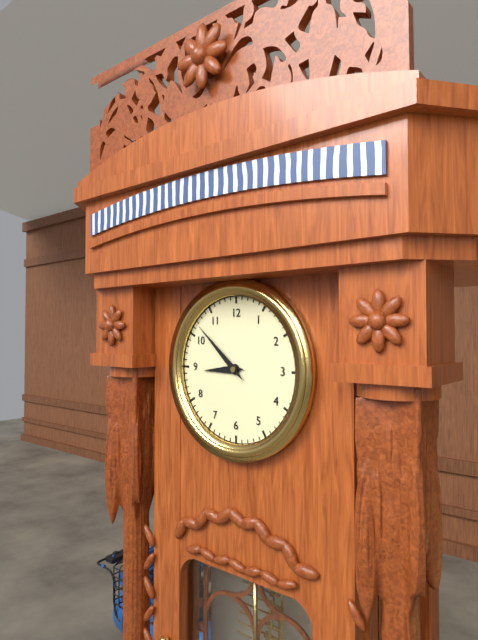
8:52
